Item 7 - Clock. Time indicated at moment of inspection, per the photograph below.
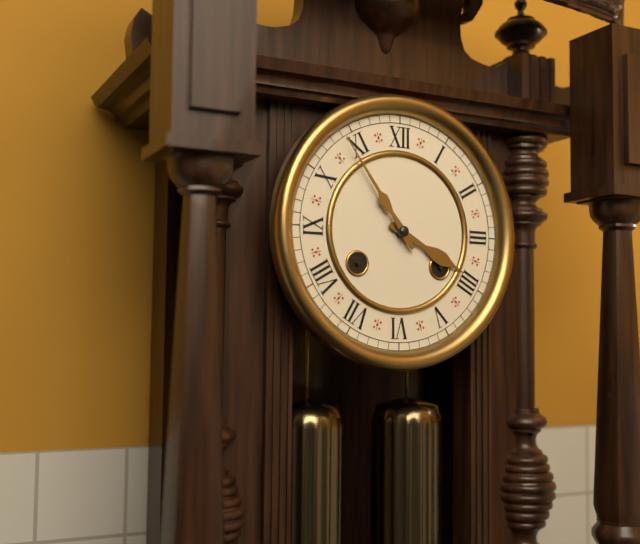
3:54
